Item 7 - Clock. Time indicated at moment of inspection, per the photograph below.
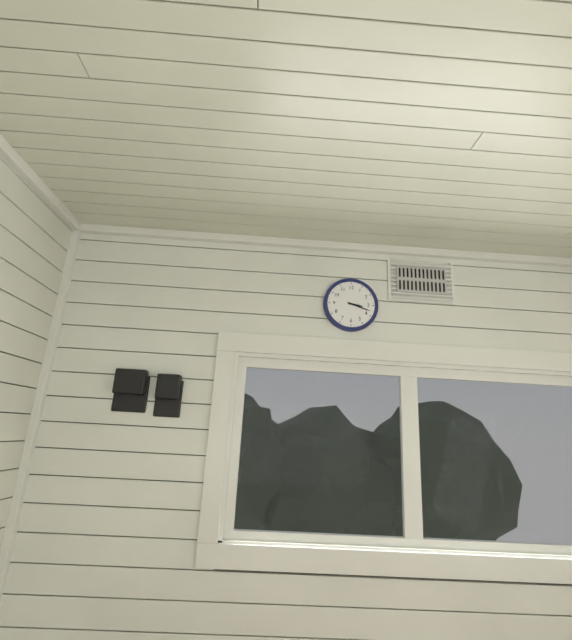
3:18
